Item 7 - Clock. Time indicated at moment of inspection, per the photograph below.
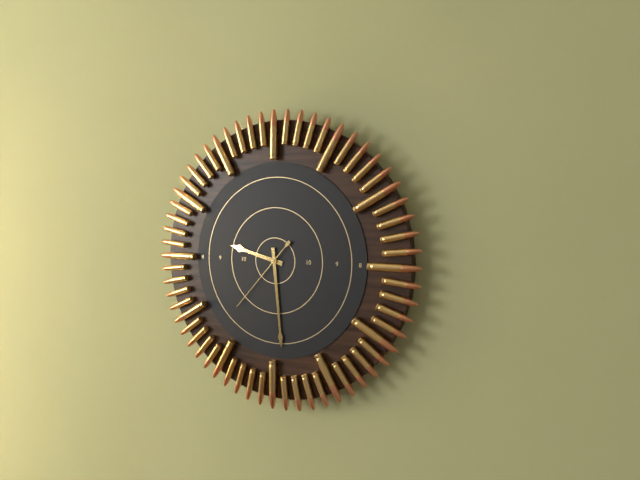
9:29:37
